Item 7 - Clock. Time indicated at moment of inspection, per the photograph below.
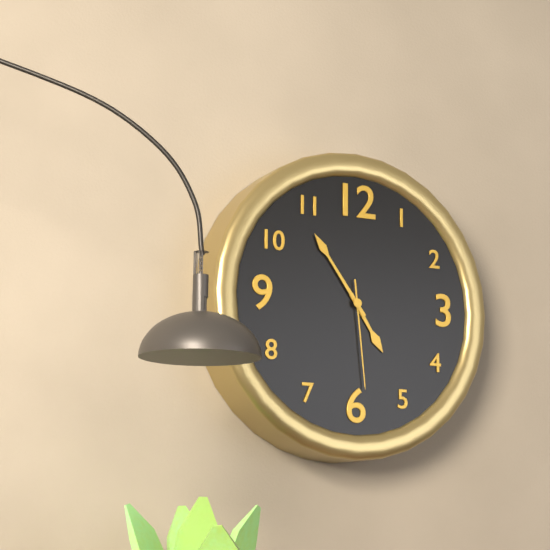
4:54:29
